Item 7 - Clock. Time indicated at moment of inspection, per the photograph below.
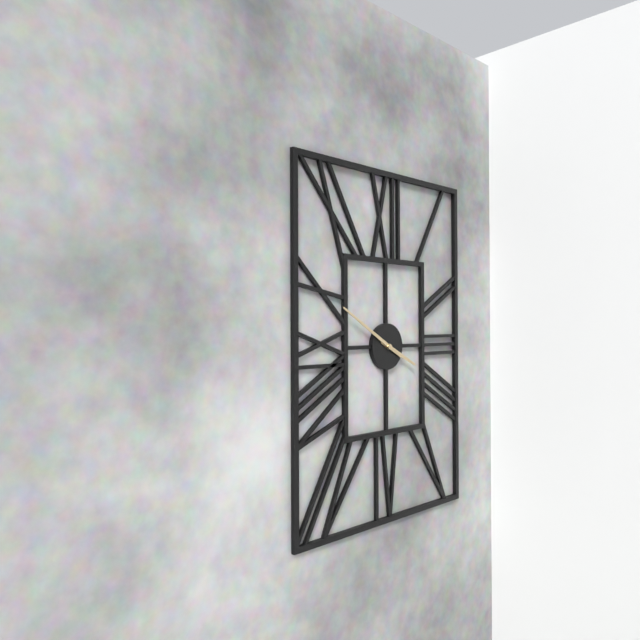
3:50
